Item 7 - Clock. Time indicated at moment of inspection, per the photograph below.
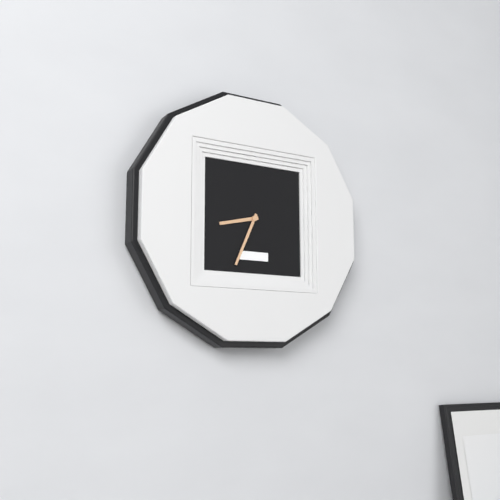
8:34
